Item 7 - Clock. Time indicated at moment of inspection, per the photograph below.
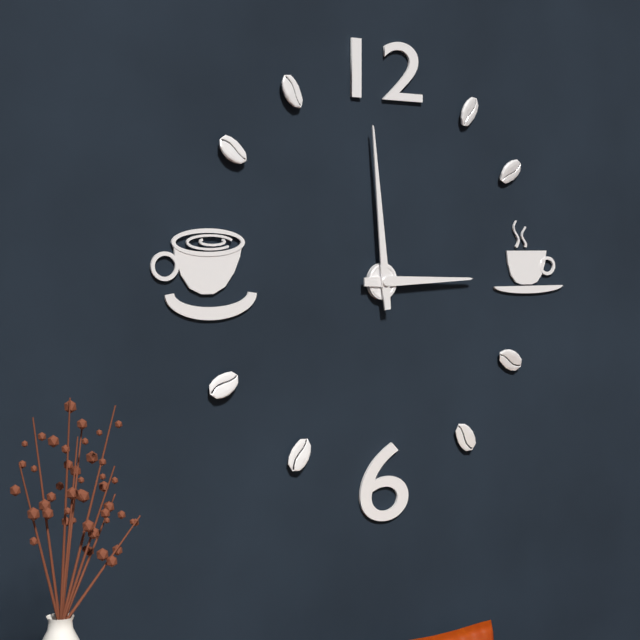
2:59
